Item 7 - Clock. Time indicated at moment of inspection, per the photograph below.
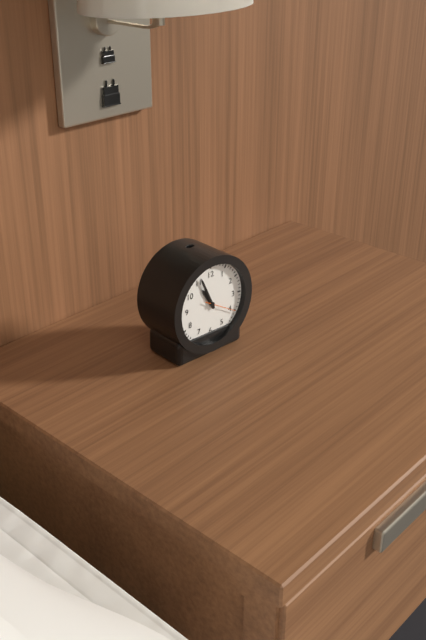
10:56
